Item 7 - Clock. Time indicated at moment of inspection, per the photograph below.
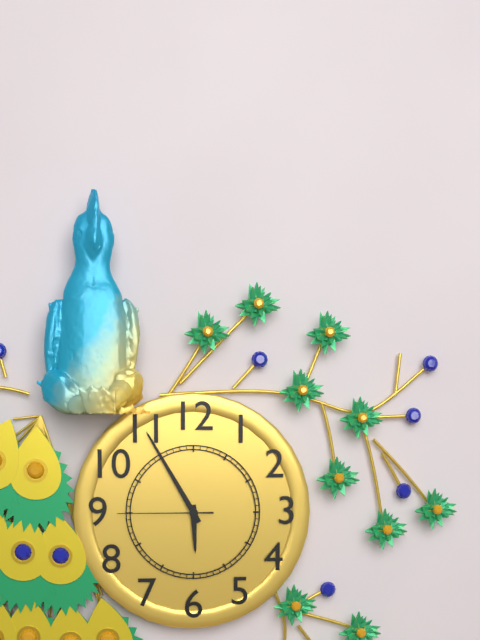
5:55:45
